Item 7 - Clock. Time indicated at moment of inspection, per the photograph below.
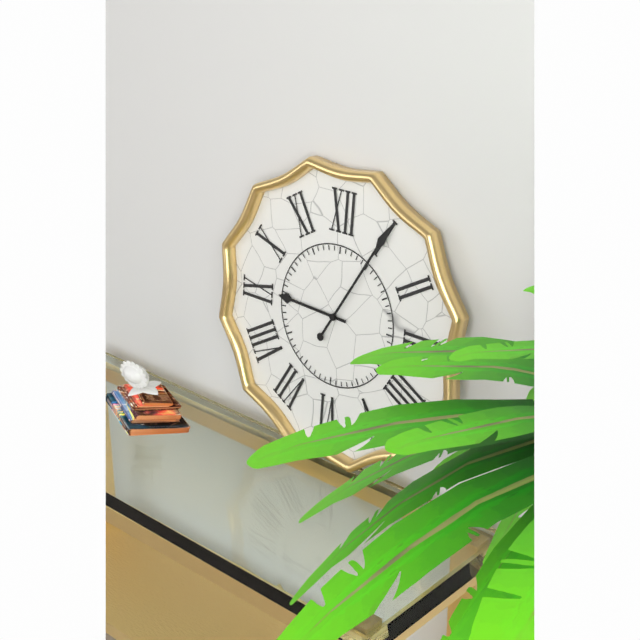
9:05
